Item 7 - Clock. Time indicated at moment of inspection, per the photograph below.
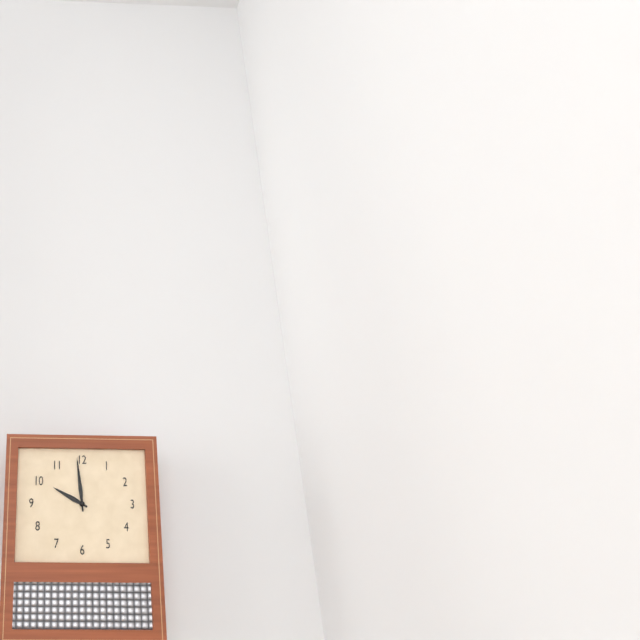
9:59
